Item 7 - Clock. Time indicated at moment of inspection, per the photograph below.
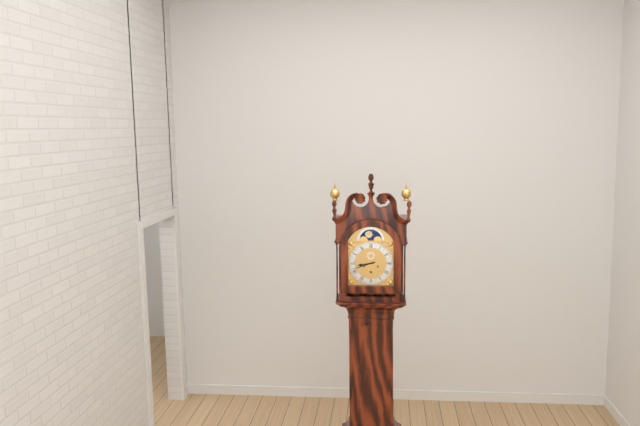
8:42
